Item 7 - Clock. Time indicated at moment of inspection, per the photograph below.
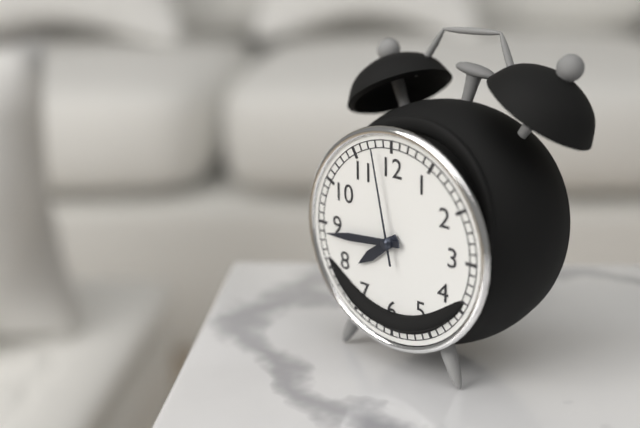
7:44:58
